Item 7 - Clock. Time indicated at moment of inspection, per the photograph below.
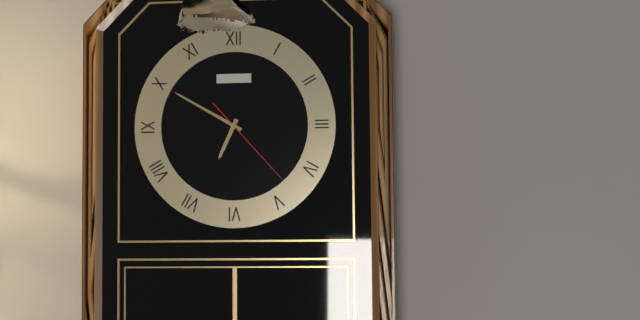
6:50:23
